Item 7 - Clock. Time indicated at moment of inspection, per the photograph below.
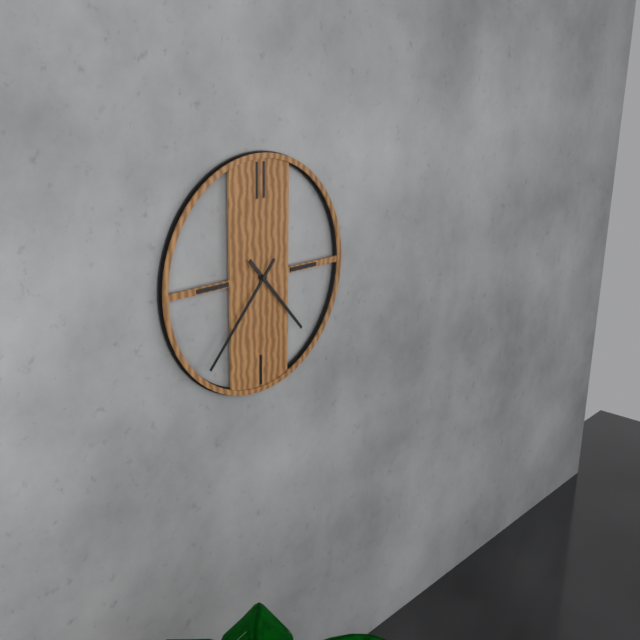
4:37
